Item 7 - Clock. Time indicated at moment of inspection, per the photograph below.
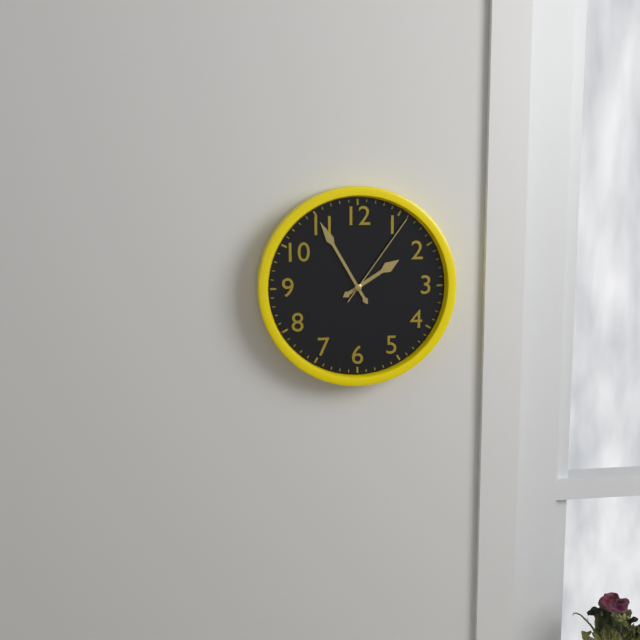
1:55:06
